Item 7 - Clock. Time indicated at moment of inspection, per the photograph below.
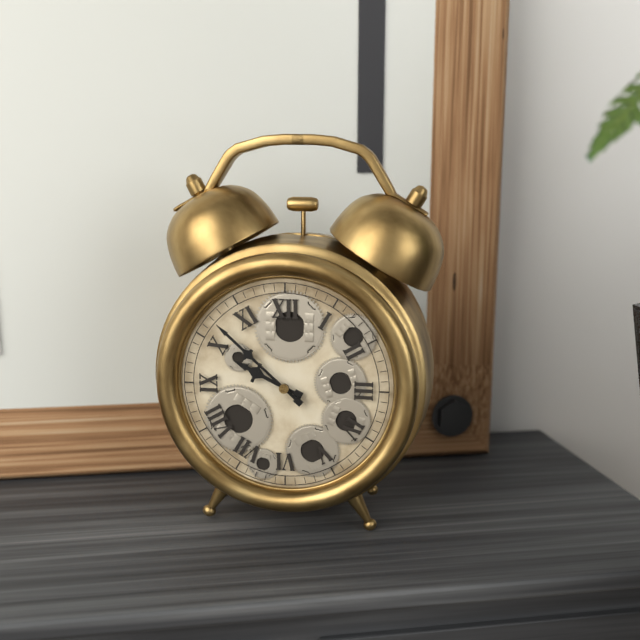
9:52
